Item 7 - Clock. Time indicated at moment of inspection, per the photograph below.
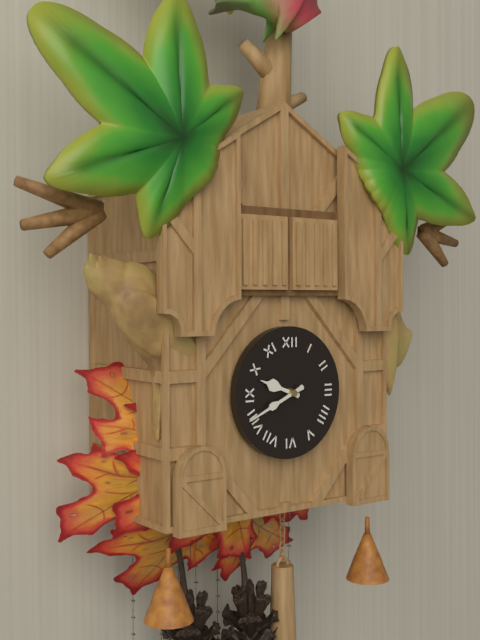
9:41
